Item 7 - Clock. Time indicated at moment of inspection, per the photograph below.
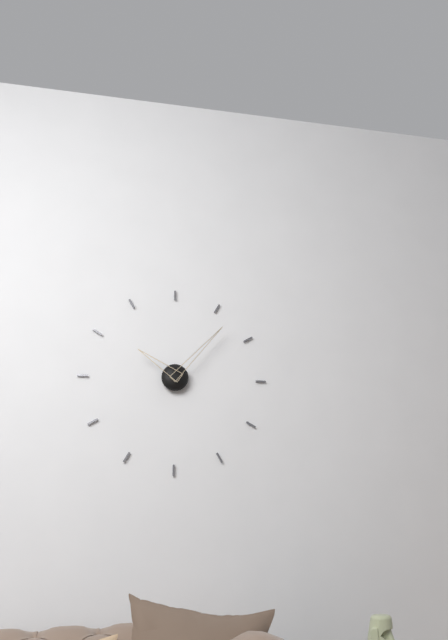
10:07
